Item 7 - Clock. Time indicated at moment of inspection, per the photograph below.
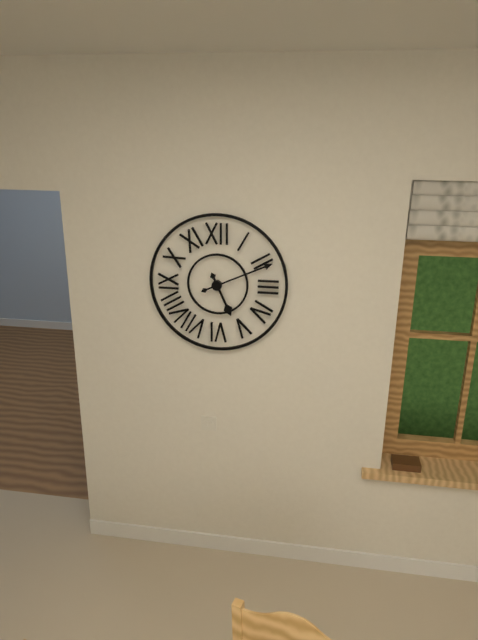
5:11
